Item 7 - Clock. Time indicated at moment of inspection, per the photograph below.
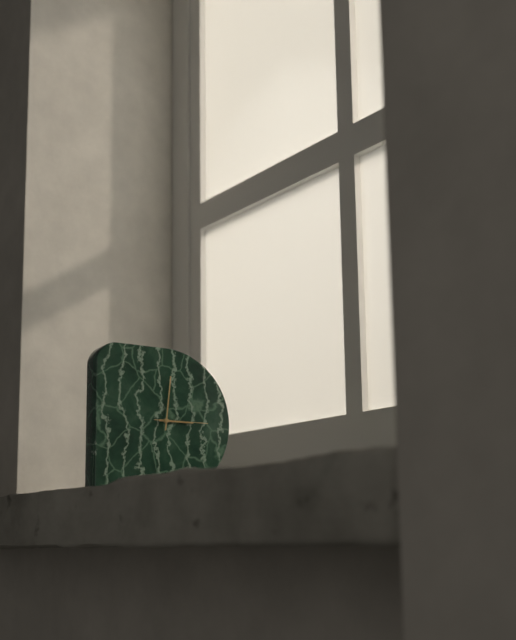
3:01:15
